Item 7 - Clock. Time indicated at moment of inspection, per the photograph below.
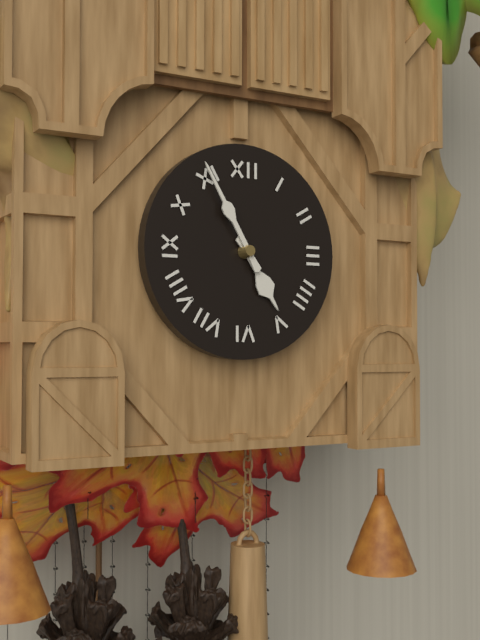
4:55
